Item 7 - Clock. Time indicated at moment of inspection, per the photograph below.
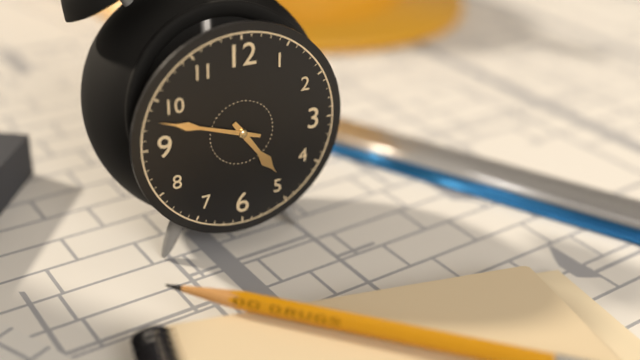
4:48
